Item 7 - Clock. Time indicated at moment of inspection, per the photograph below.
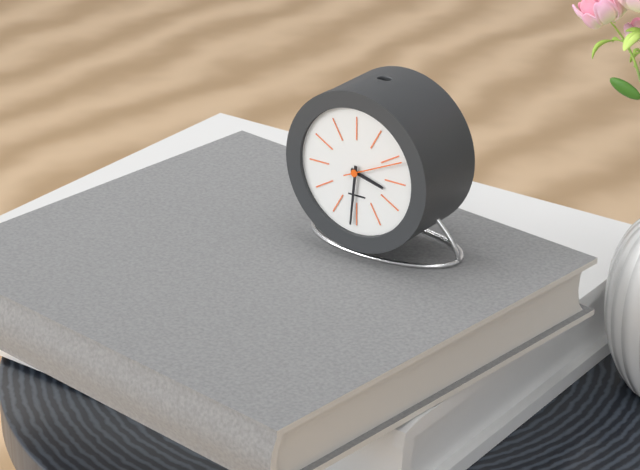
3:31:11
